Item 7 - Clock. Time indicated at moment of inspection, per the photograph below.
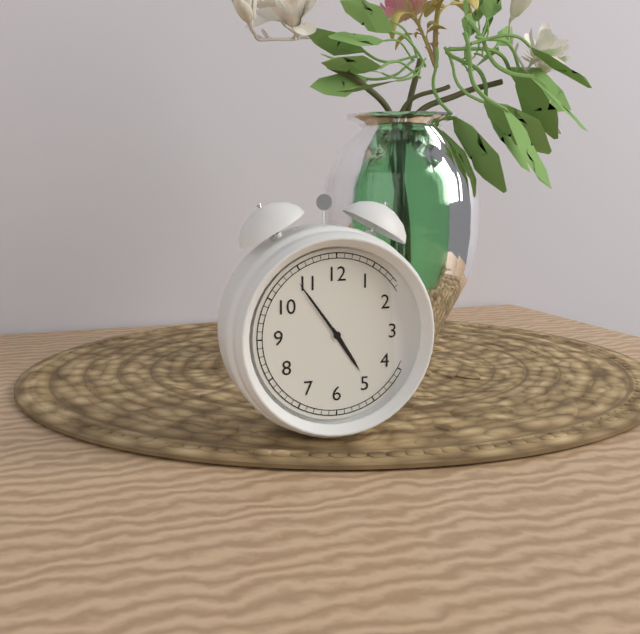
4:54
